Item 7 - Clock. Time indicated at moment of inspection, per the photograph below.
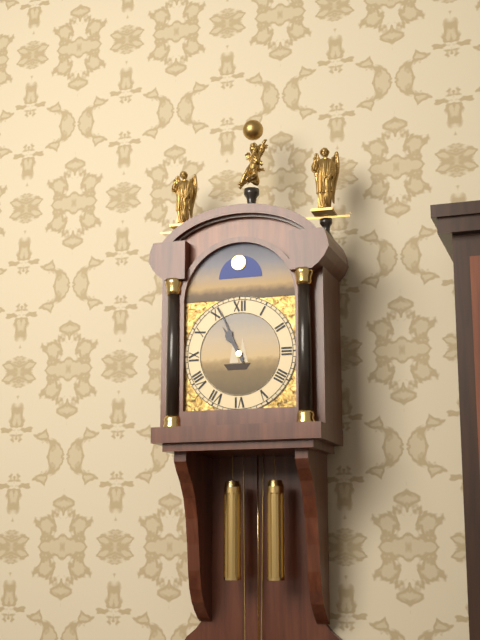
10:56
